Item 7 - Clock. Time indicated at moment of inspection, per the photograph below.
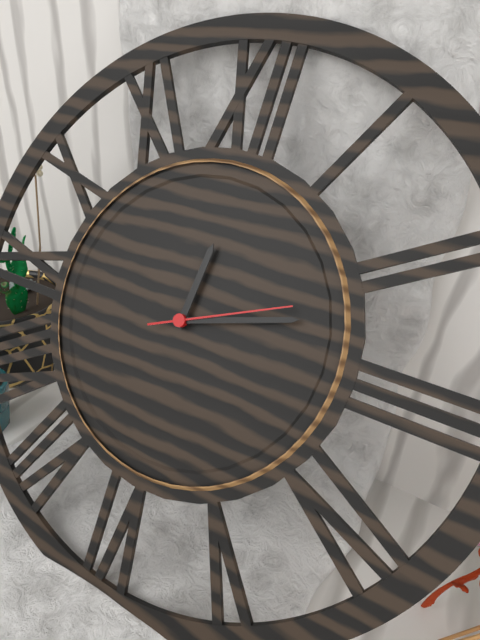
12:12:11
